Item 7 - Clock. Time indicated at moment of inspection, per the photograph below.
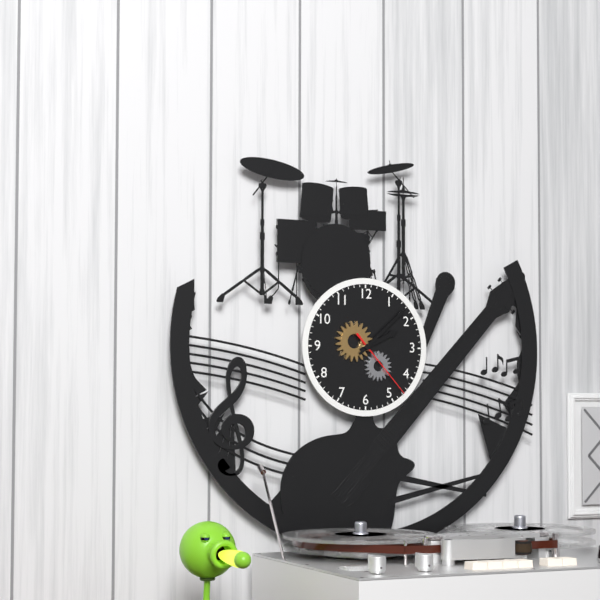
2:08:23
